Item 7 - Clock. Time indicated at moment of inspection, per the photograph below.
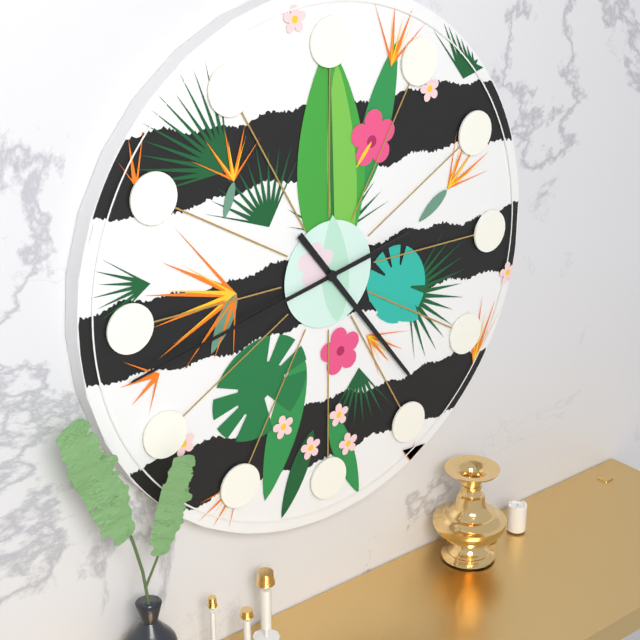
4:43
